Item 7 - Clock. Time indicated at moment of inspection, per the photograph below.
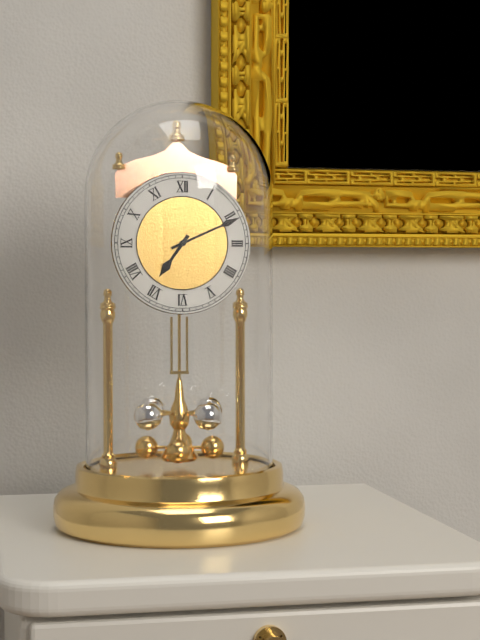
7:11
